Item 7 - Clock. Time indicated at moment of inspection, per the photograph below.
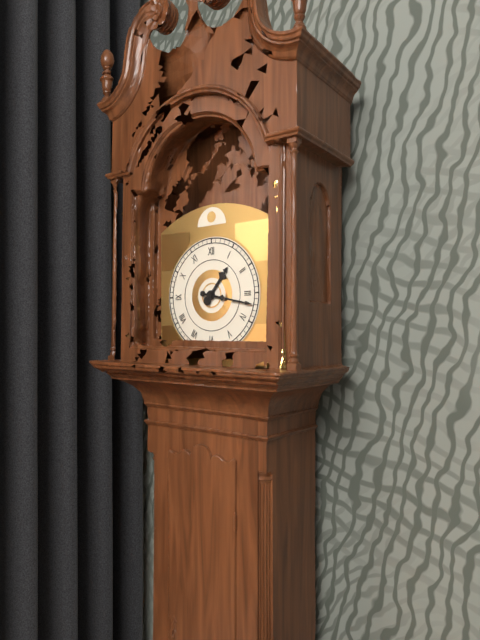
1:17
